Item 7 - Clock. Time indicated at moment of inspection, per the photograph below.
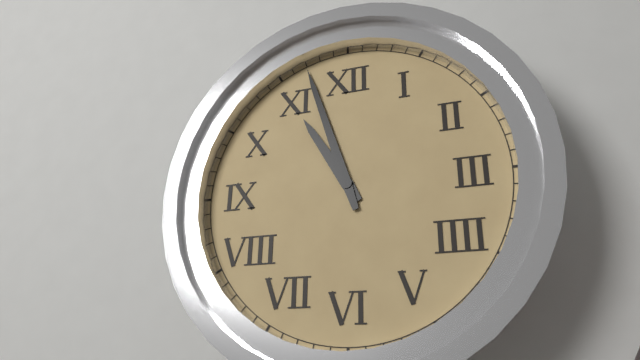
10:57
